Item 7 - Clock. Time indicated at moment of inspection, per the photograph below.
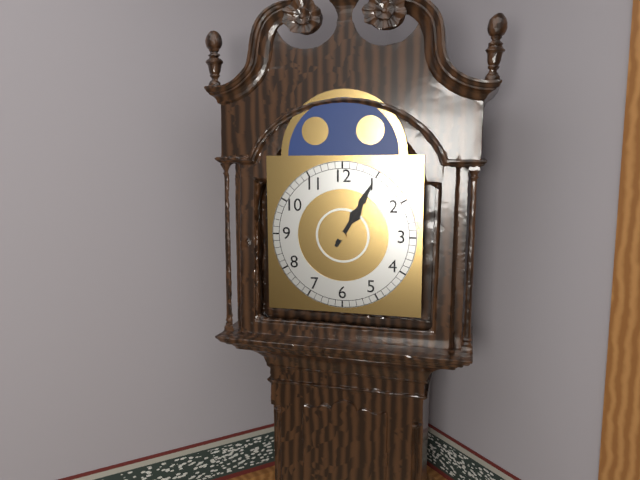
1:05
